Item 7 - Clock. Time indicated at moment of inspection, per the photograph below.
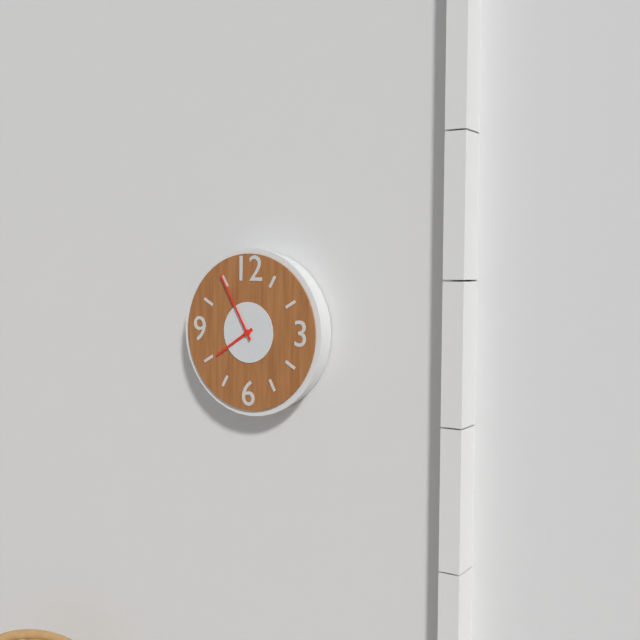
7:55
